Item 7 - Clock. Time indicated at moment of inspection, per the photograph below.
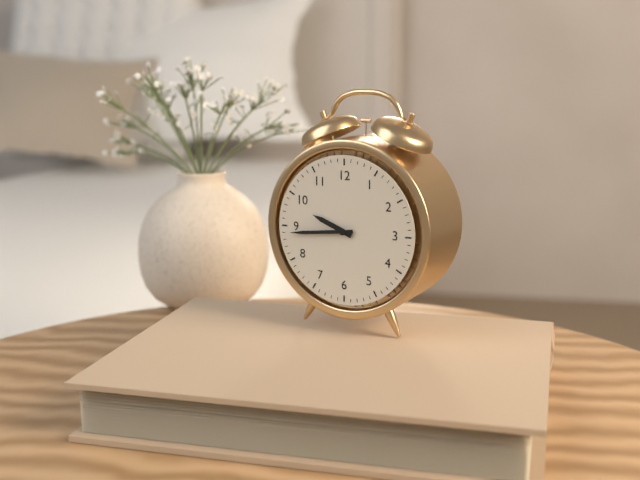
9:44
